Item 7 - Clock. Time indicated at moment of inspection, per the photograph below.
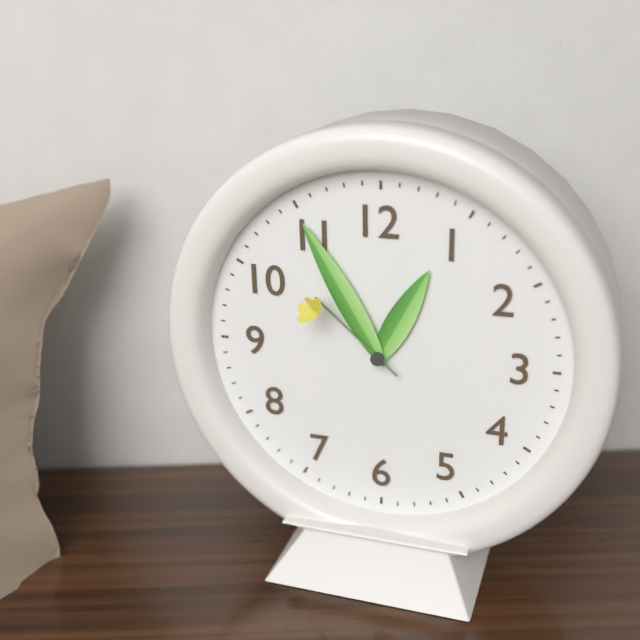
12:55:52
